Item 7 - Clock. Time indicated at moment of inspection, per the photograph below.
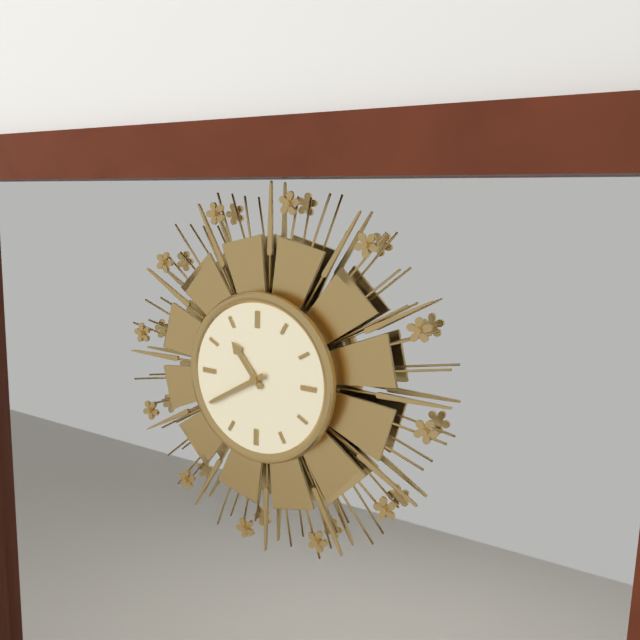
10:40
